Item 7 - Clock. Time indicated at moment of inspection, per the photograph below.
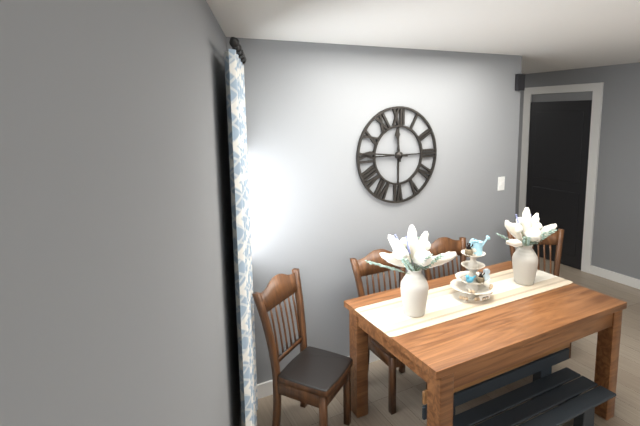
11:46
